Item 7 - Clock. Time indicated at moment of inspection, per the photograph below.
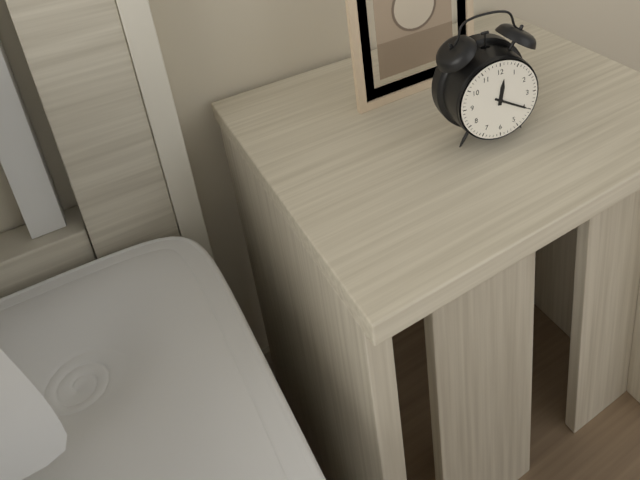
12:20
